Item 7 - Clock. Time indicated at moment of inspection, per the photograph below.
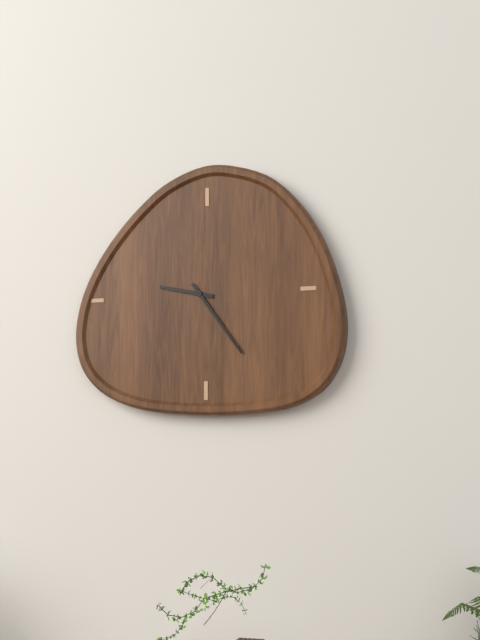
9:24
